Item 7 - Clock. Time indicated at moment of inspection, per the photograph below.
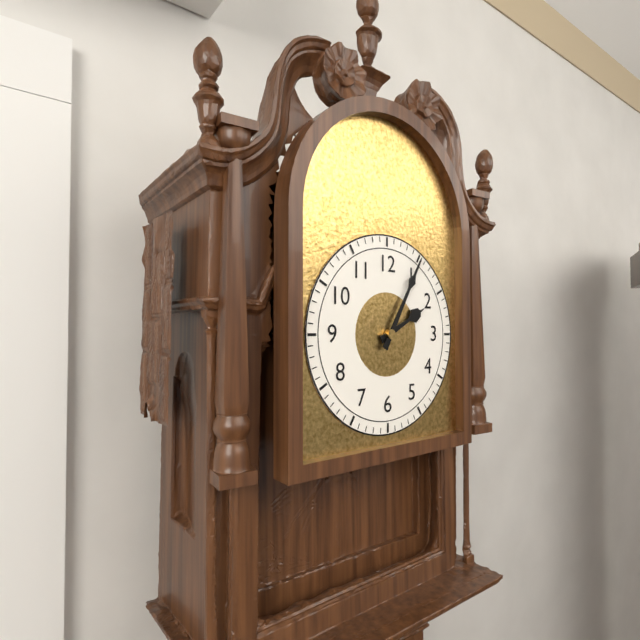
2:05
